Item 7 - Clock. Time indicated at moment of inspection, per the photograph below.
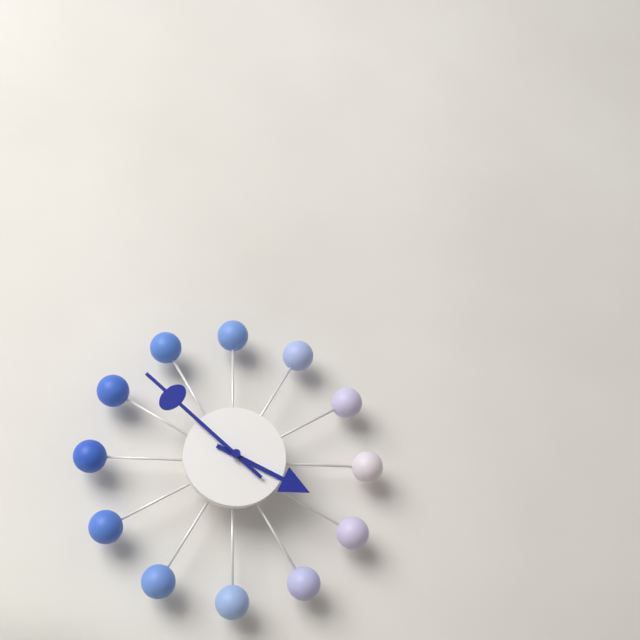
3:52
